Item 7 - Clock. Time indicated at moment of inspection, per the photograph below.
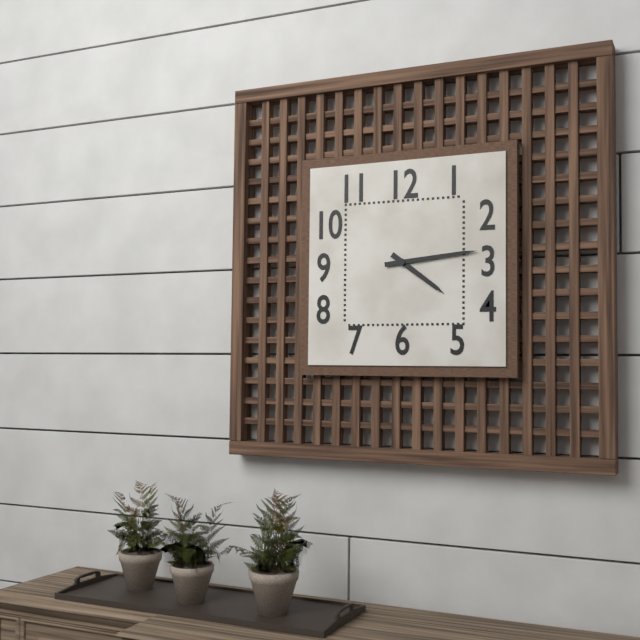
4:14
